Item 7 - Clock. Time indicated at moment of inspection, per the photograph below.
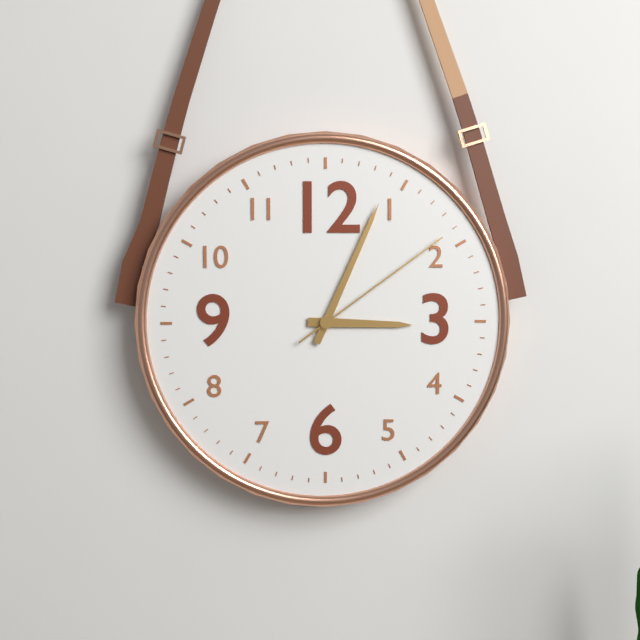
3:04:09
